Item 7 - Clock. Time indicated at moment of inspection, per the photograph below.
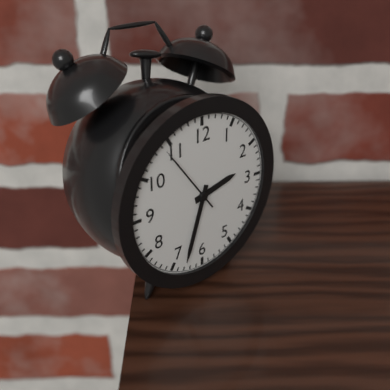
2:33:54
